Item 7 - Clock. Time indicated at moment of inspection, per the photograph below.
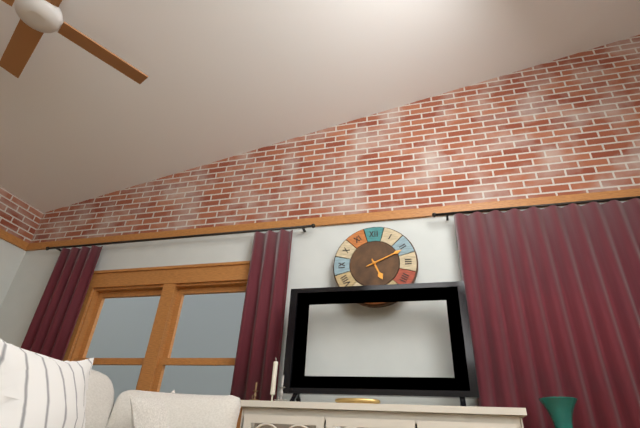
5:11
